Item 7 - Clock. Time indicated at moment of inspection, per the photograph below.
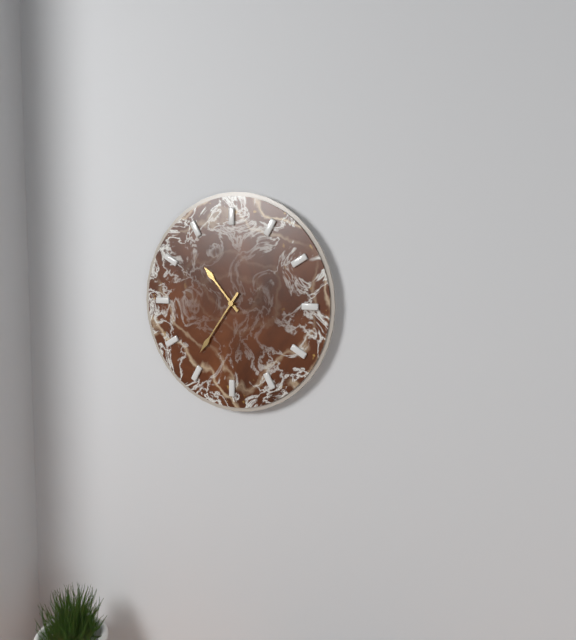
10:36
